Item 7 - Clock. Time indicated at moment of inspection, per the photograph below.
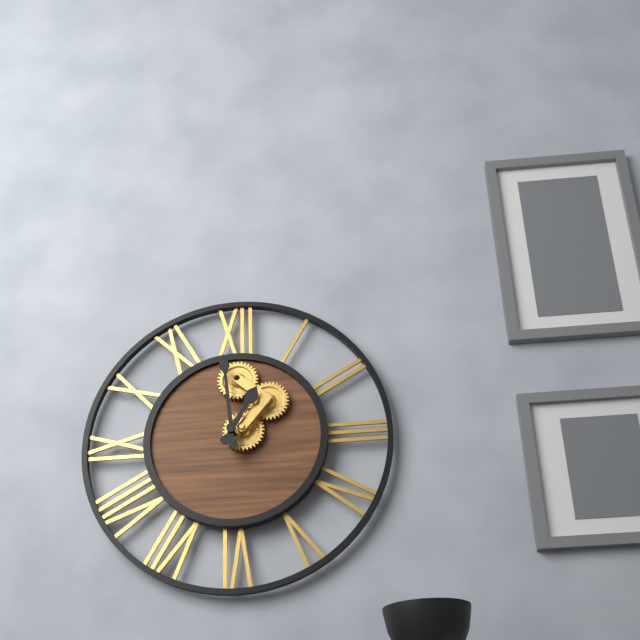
12:59
